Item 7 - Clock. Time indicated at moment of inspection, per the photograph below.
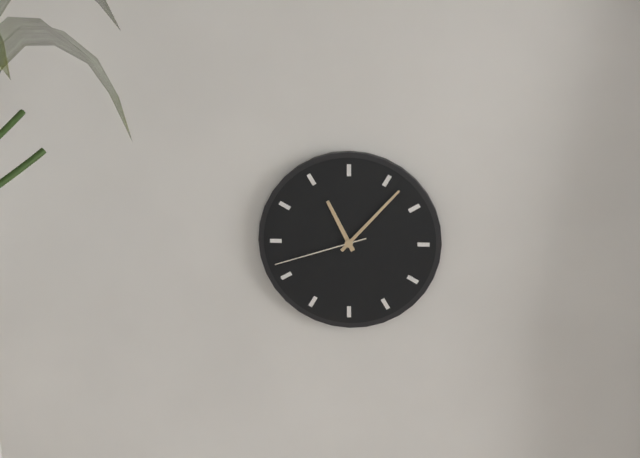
11:07:42
